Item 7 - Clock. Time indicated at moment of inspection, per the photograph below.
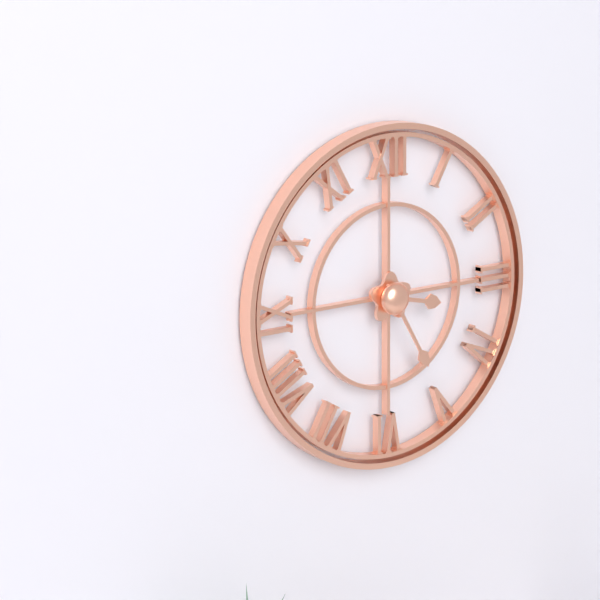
3:25
